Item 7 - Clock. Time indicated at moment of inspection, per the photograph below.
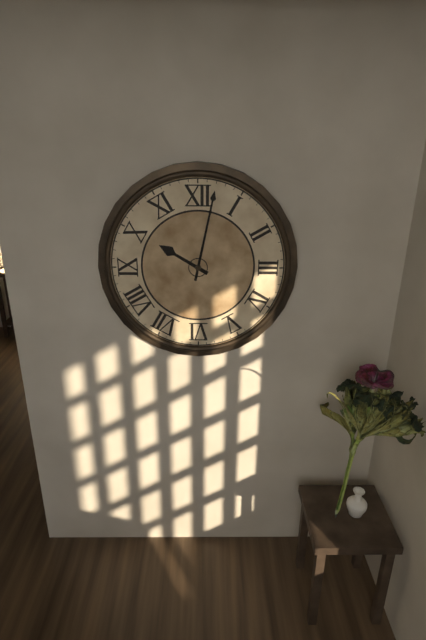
10:02
